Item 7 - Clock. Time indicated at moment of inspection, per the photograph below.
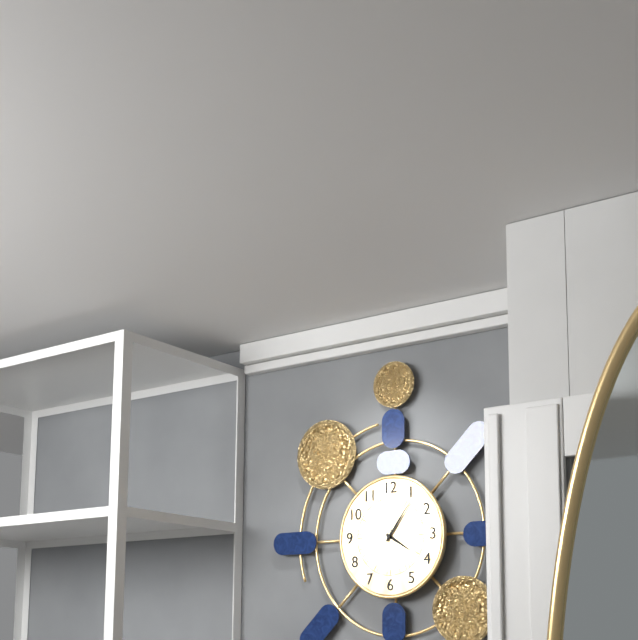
4:06:04
